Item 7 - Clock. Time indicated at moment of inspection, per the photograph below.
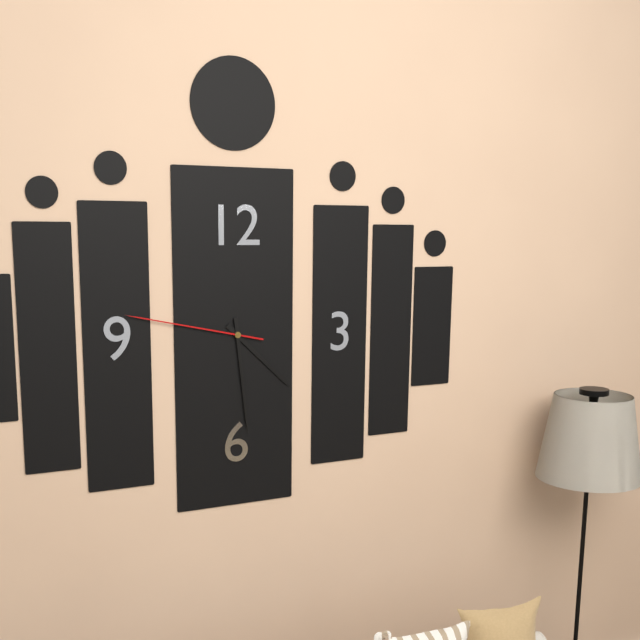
4:29:47
